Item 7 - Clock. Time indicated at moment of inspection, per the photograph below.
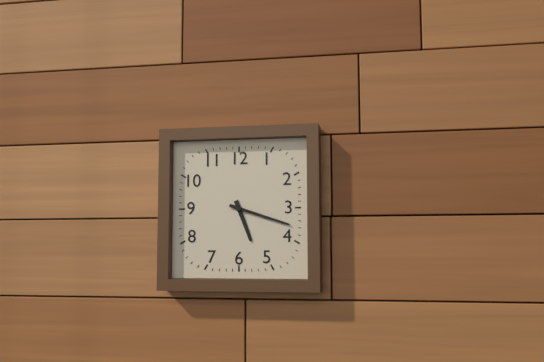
5:18
